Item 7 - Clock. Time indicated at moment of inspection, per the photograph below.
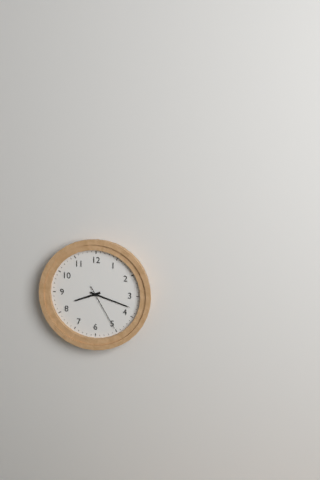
8:18
